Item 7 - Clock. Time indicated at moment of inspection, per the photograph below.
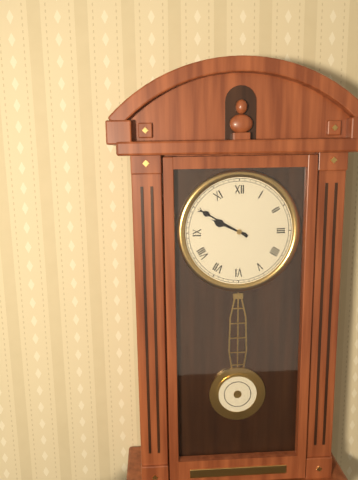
9:50
